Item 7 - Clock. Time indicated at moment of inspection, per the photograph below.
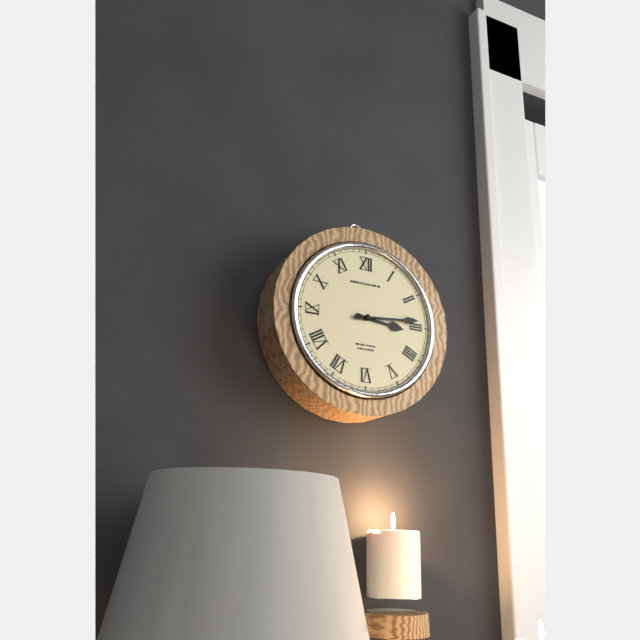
3:14
